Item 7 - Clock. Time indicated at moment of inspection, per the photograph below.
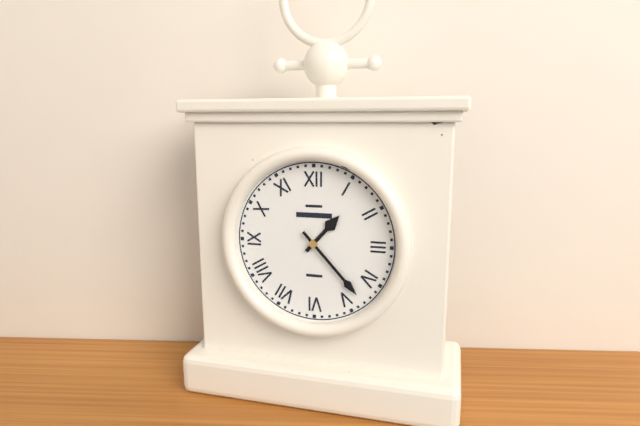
1:23
